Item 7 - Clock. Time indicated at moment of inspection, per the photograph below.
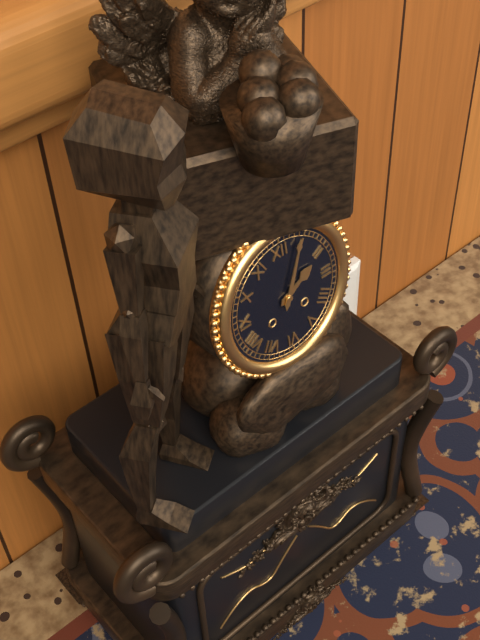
2:04
